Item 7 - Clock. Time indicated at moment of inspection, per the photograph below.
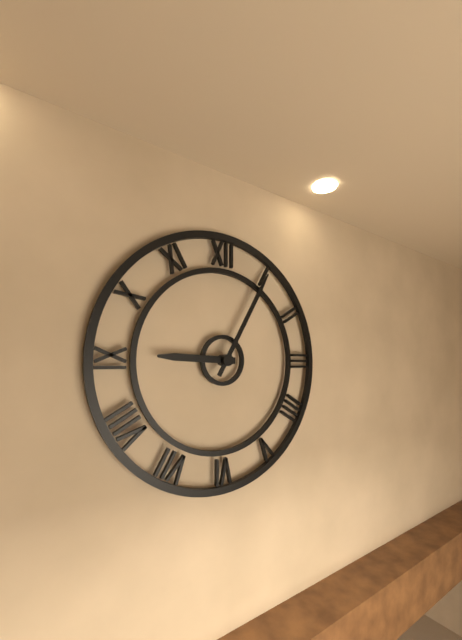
9:05
